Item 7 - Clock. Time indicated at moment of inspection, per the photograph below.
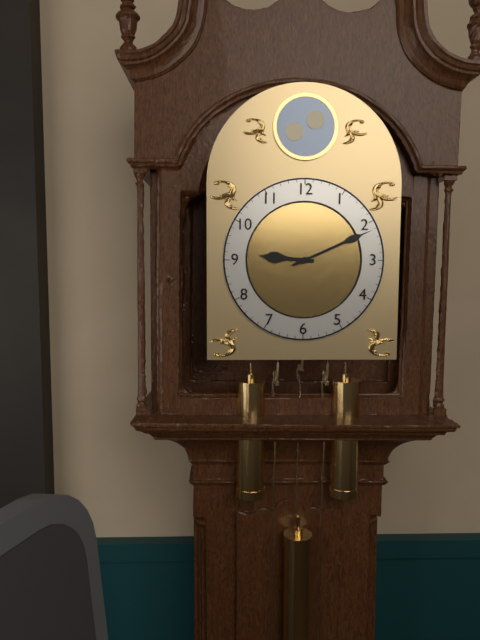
9:11
